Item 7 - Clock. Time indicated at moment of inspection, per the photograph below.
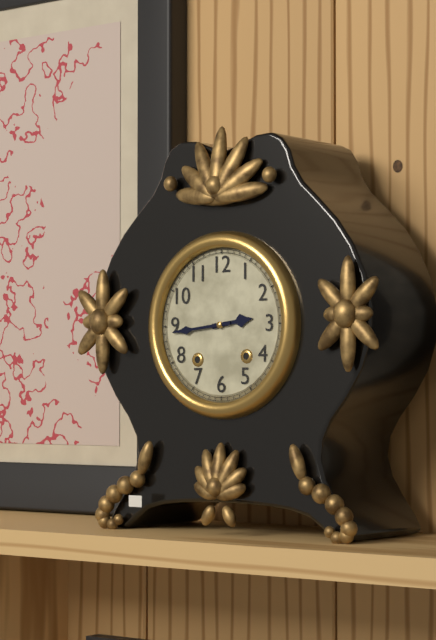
2:44
